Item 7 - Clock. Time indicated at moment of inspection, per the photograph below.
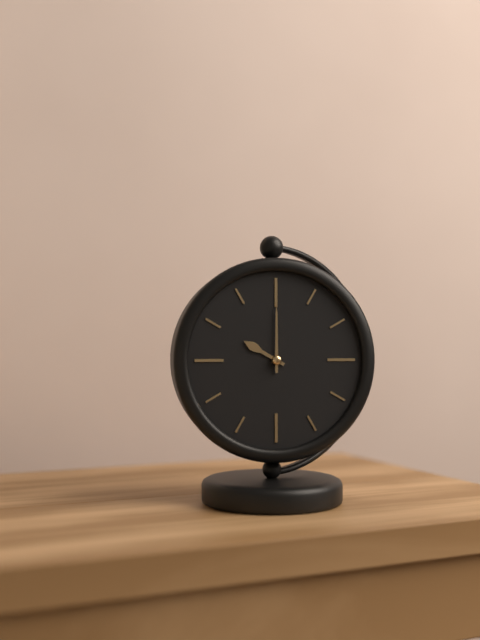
10:00
